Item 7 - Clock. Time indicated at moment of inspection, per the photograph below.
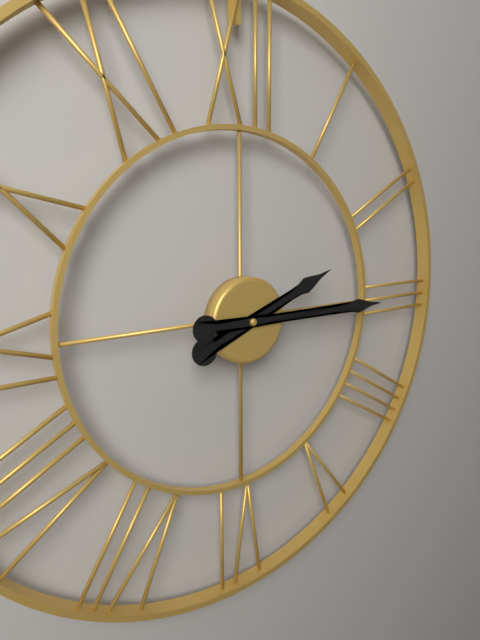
2:15
